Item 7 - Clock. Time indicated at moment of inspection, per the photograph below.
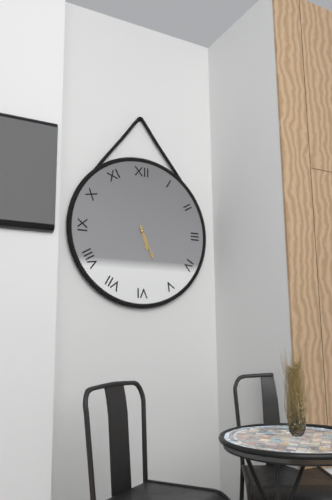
5:26
